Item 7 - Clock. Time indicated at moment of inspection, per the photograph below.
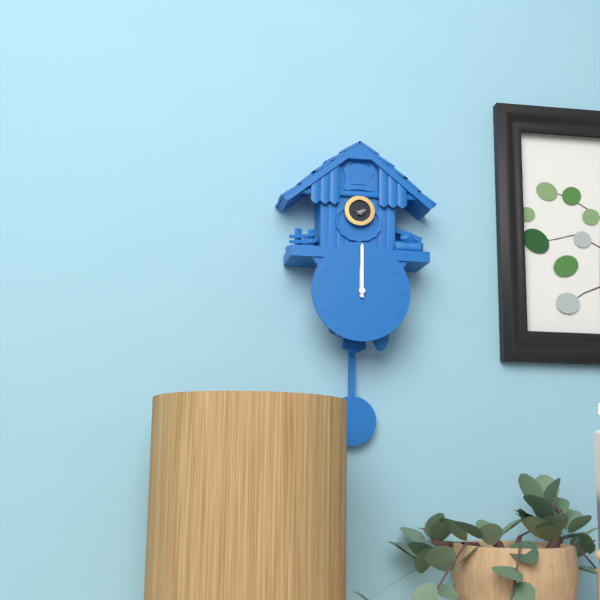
12:00
